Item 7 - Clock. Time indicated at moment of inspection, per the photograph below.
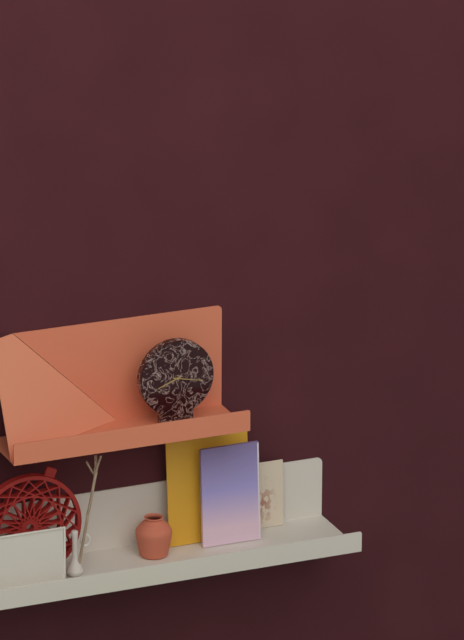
8:17
